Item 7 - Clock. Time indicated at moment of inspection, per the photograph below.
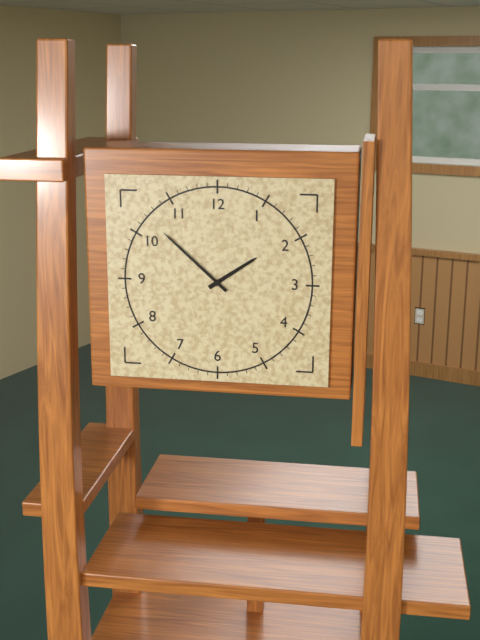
1:52
